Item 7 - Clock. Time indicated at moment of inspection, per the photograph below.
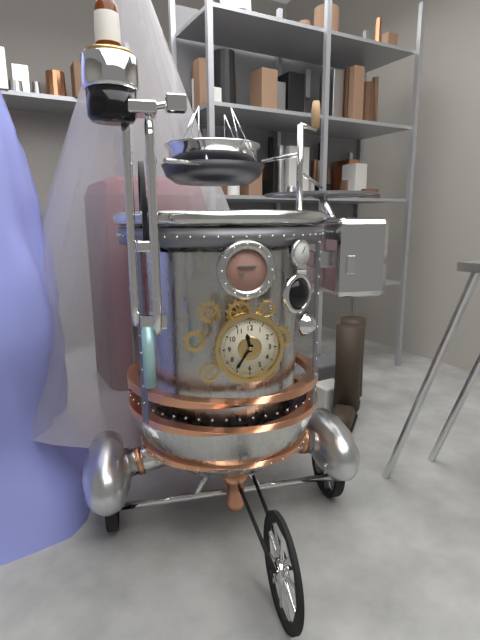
11:36
